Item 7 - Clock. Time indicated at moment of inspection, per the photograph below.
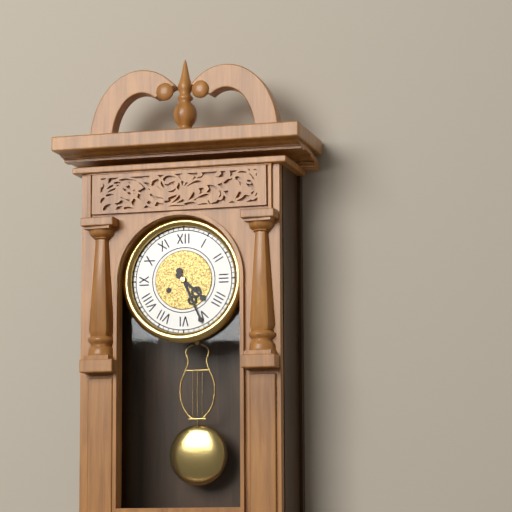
4:26
